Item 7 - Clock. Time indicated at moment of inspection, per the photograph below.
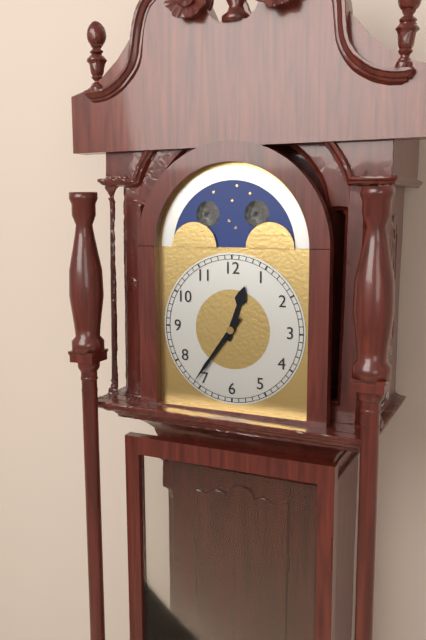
12:36
